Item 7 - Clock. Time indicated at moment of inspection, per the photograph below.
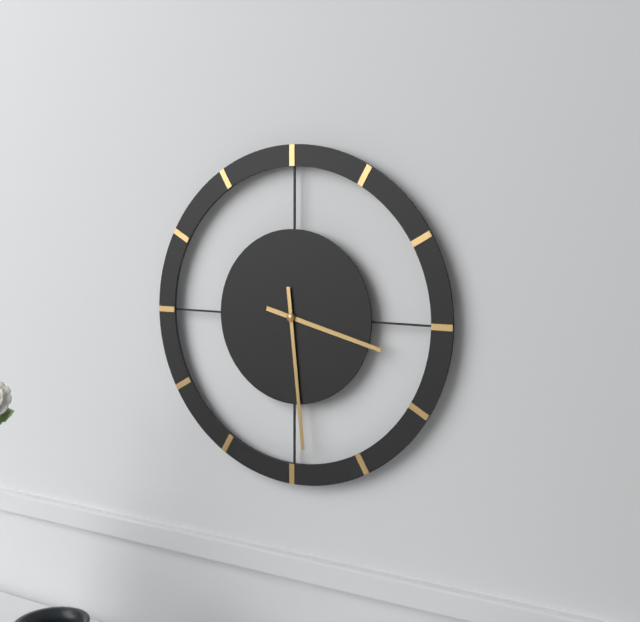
3:29
